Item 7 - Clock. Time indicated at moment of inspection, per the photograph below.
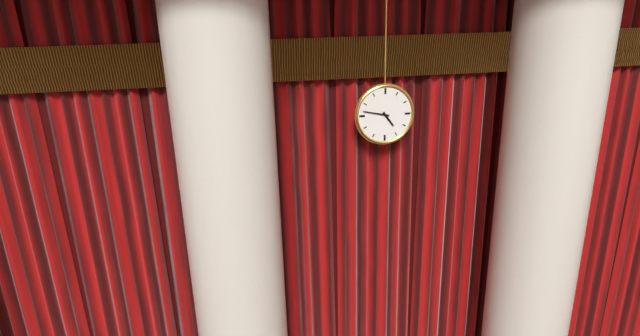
4:47
